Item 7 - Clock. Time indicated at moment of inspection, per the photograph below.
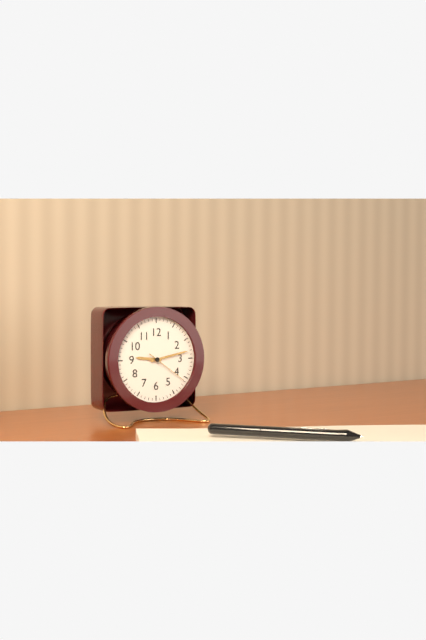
9:13
